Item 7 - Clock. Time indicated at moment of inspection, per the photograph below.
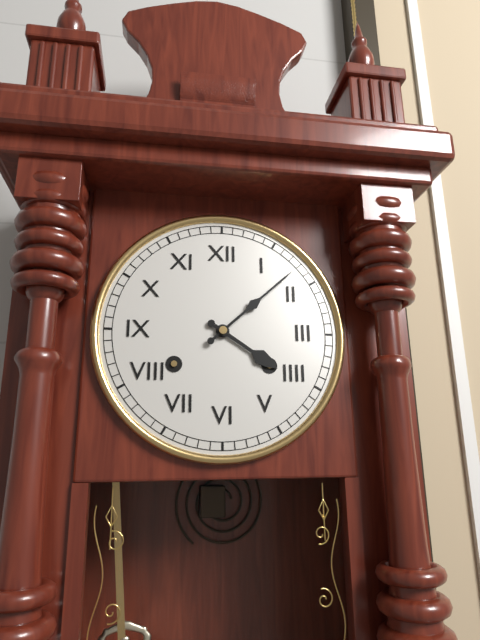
4:08
